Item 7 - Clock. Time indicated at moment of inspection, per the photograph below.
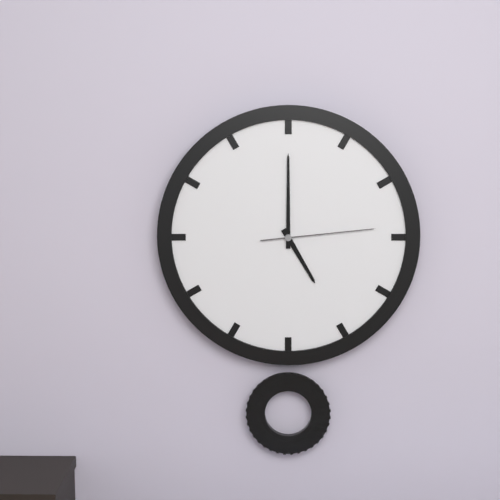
5:00:14
